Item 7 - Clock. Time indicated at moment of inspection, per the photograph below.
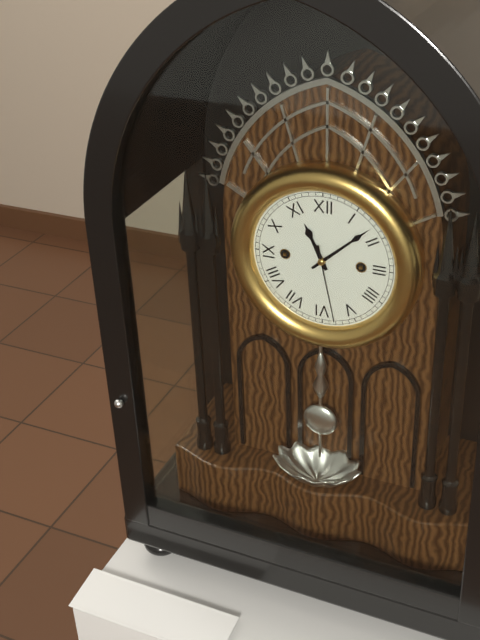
11:08:28
